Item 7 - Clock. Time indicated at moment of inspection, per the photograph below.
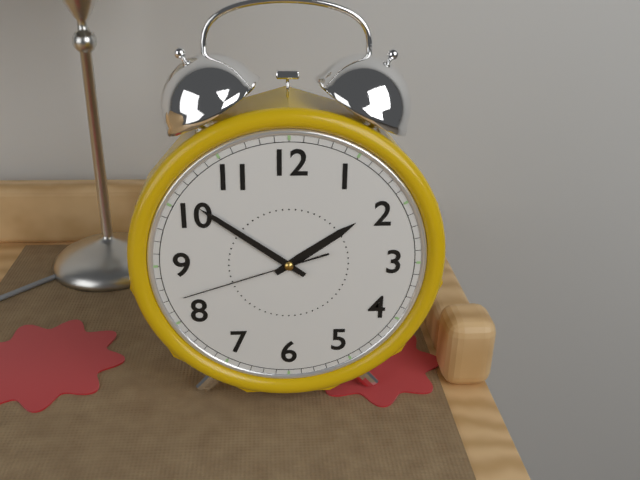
1:51:42
